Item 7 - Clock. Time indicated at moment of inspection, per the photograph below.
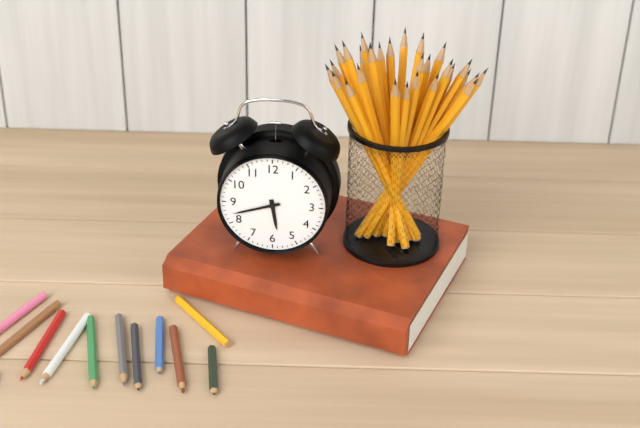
5:42
